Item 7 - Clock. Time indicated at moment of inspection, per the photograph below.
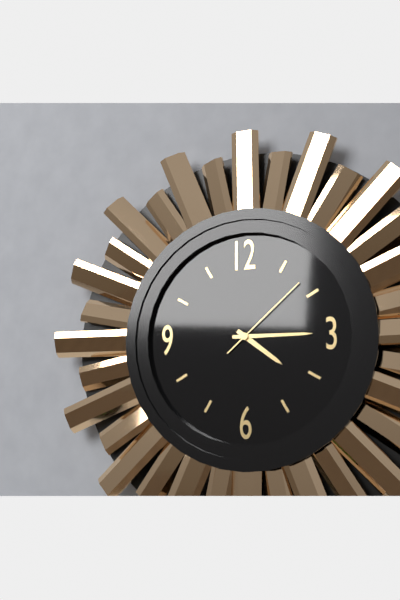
4:15:08
